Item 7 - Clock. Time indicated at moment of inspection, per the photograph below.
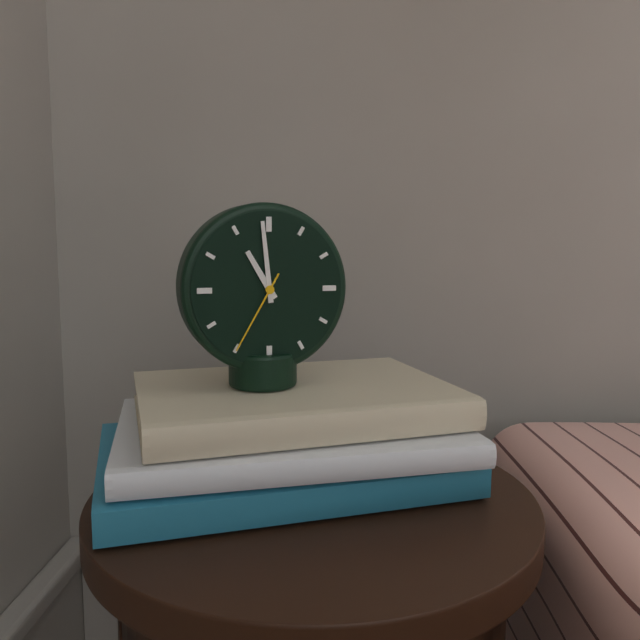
10:59:35
